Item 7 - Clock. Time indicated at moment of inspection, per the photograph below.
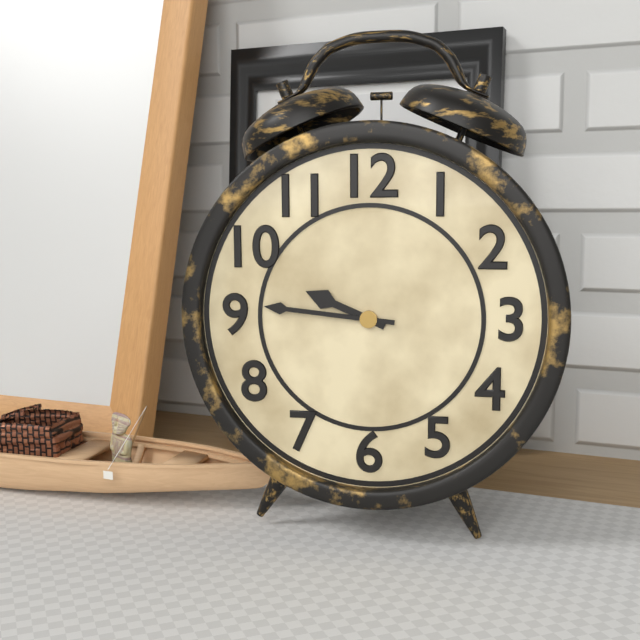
9:46
